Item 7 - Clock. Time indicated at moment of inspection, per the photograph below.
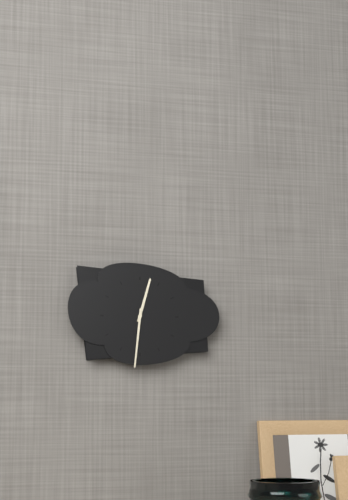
12:31
